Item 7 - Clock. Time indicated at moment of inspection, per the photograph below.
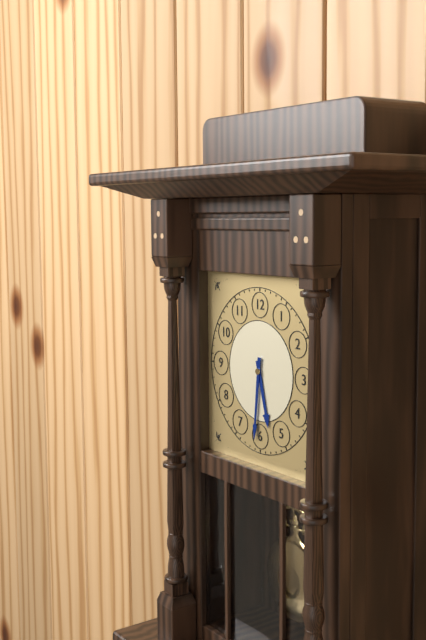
5:31
